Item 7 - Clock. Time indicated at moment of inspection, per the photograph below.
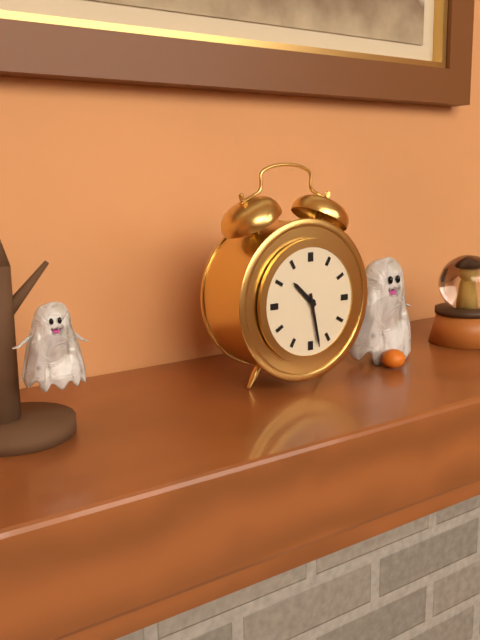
10:28
